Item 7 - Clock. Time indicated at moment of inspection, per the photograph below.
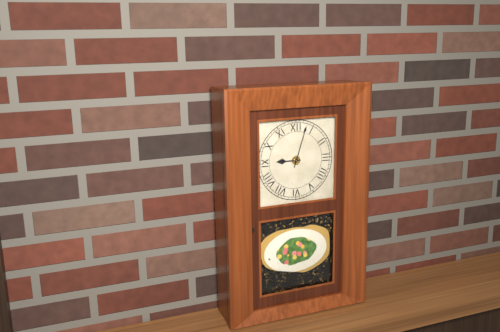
9:03
